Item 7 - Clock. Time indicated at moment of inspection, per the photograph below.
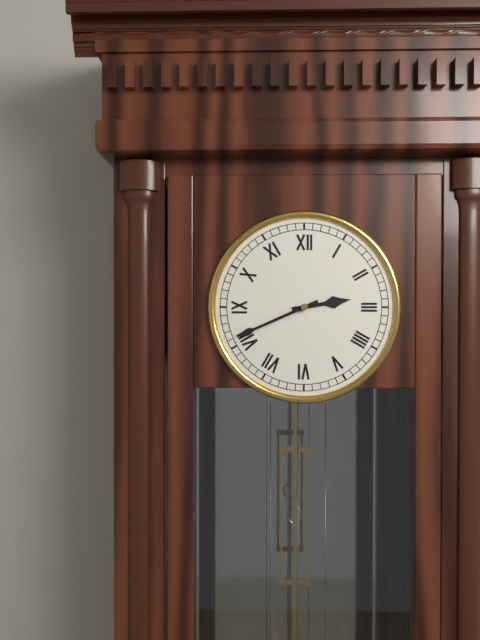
2:41
